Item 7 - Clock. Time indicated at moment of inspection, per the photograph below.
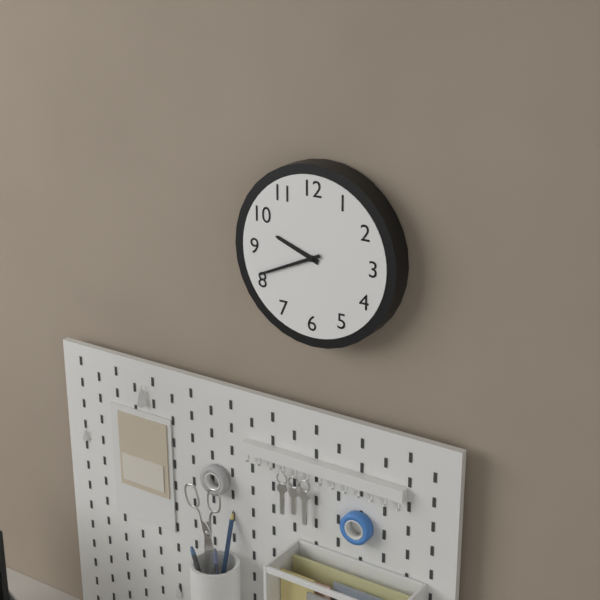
9:41
